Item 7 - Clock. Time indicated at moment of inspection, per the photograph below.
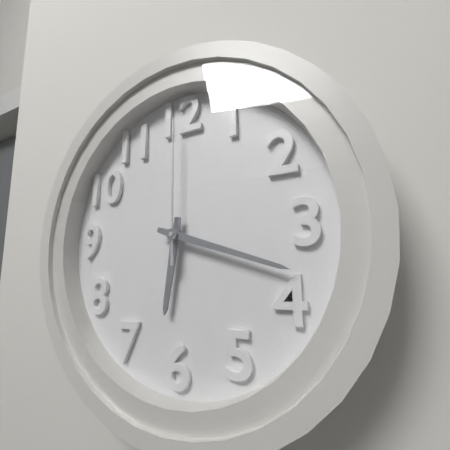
6:18:00
